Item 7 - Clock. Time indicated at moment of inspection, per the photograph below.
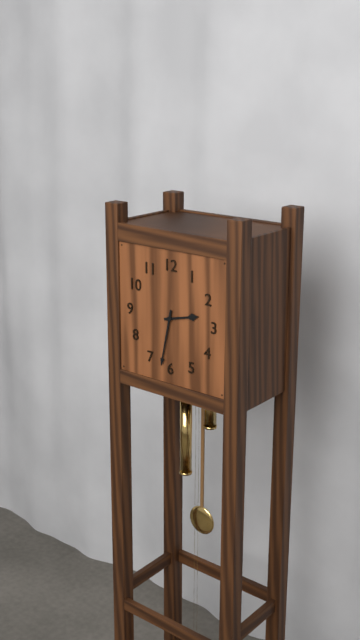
2:32
